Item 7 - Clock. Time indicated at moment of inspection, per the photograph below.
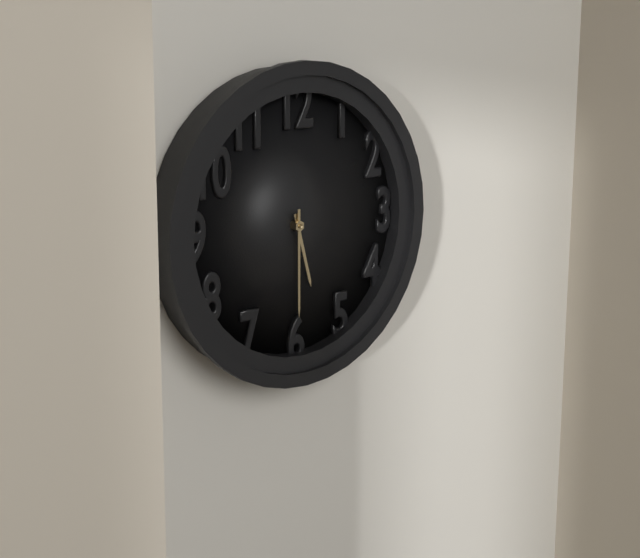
5:30
